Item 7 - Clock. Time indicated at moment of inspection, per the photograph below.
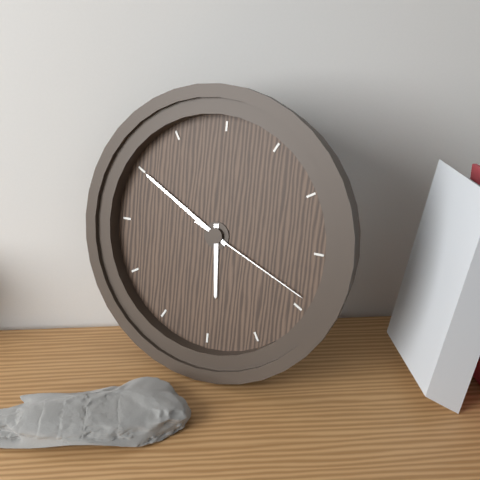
5:50:19
